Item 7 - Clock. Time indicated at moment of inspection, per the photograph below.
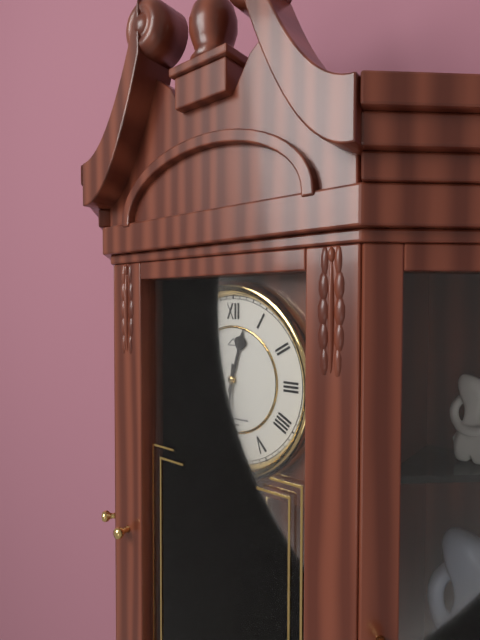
12:31
